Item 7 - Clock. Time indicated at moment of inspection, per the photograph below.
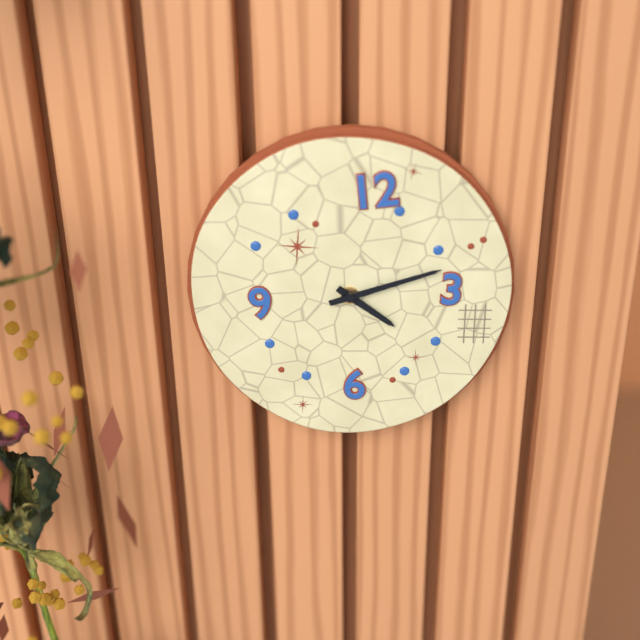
4:12
